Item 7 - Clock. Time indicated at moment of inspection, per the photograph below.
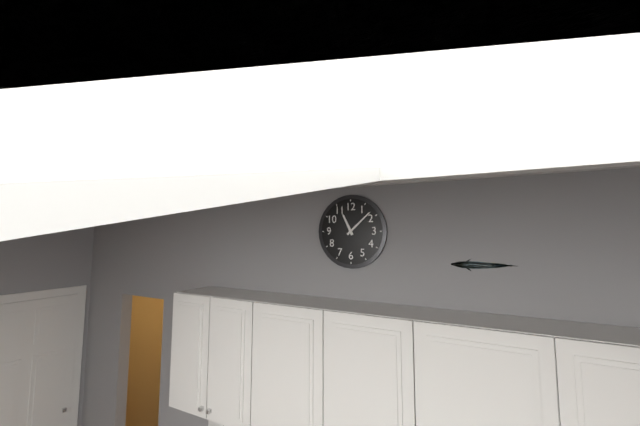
11:08
